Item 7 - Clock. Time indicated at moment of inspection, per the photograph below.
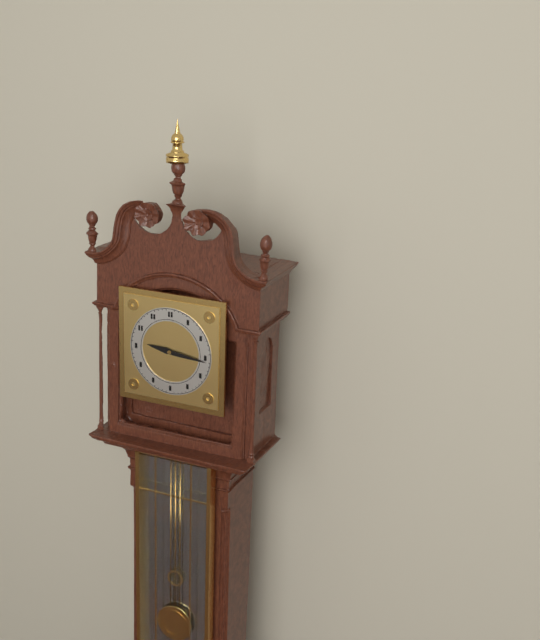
9:16
